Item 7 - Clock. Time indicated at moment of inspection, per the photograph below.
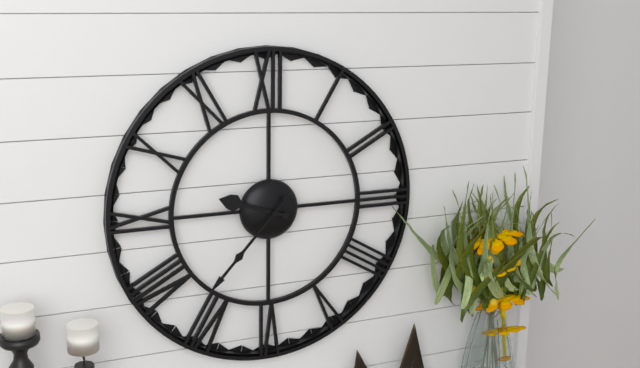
9:37
